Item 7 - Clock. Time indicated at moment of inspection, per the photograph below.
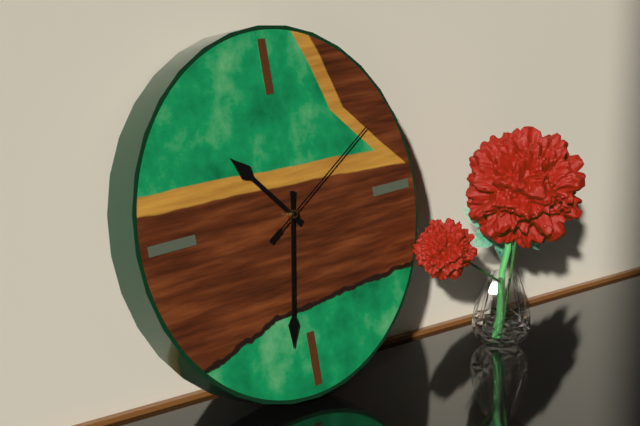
10:32:10
